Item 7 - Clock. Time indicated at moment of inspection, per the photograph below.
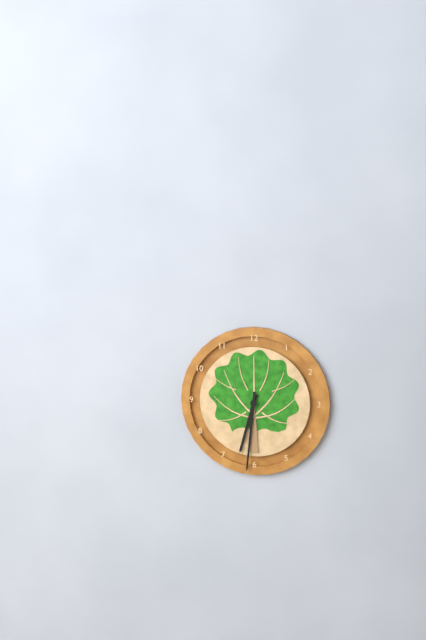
6:31
